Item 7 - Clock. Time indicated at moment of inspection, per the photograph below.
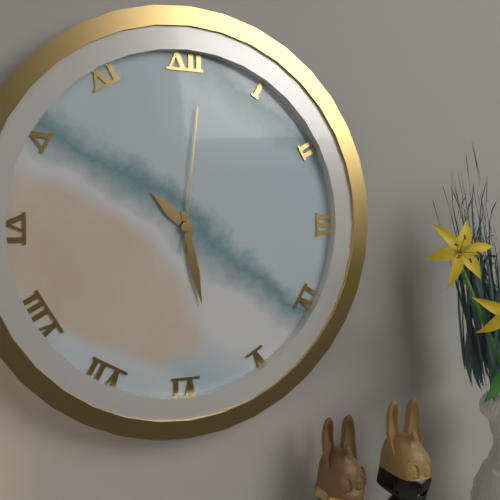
10:28:01
